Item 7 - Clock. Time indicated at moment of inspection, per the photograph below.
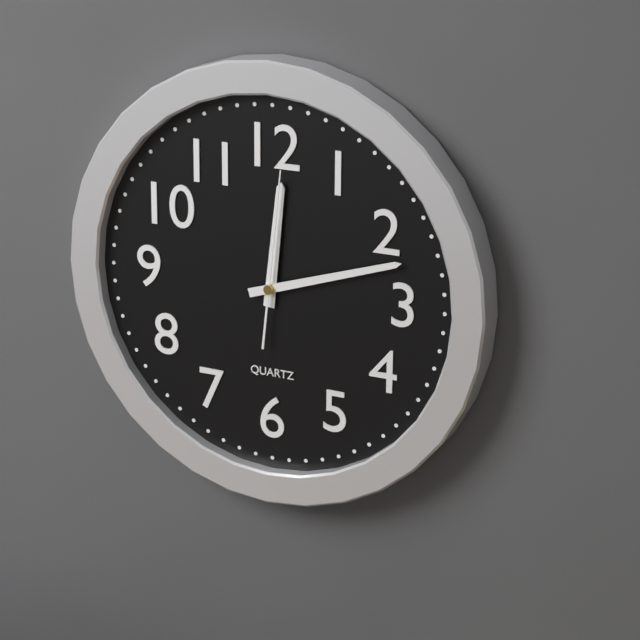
12:12:01
